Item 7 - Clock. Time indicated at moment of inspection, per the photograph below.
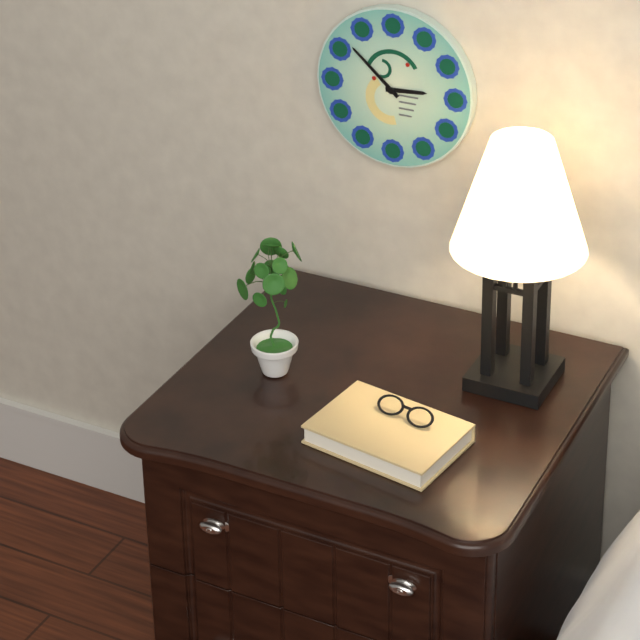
2:52
